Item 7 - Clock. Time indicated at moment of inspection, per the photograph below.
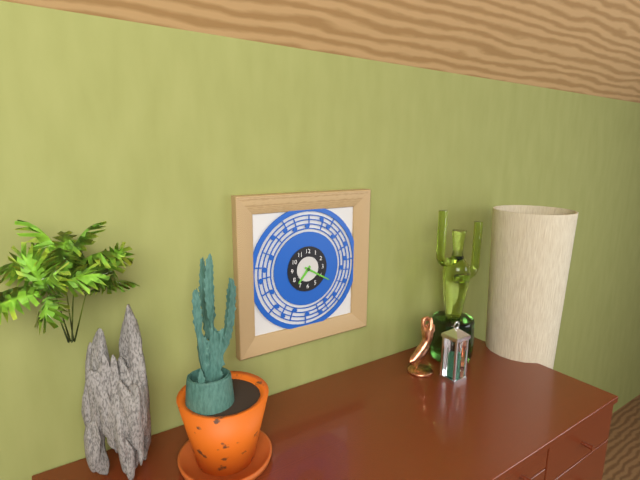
7:20
